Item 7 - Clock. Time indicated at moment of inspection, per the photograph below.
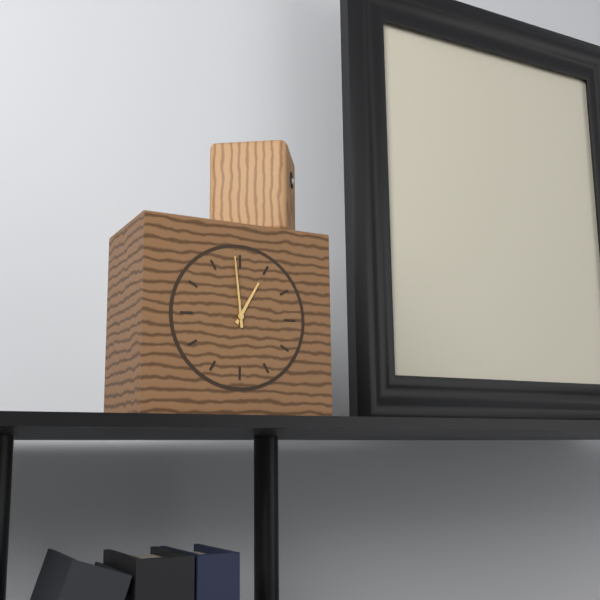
12:59
